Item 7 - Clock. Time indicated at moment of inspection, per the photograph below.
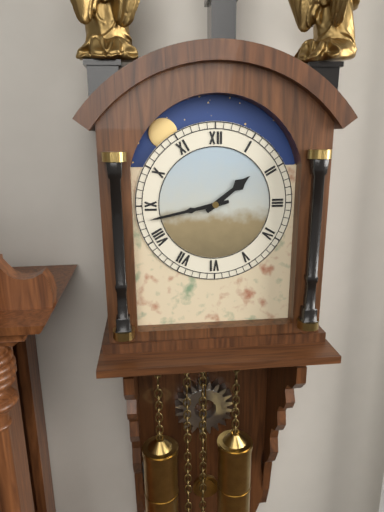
1:43
